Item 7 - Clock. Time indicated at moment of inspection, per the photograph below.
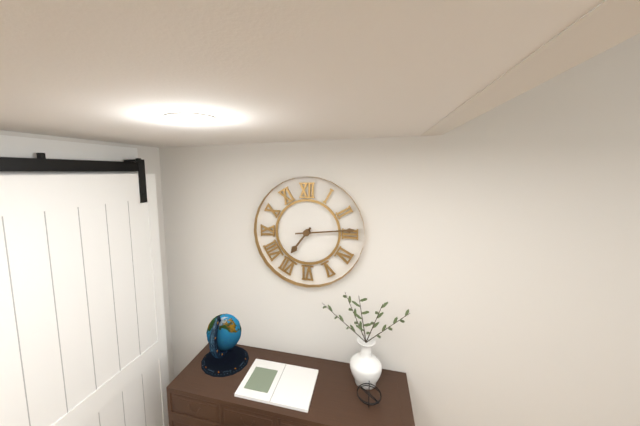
7:14
